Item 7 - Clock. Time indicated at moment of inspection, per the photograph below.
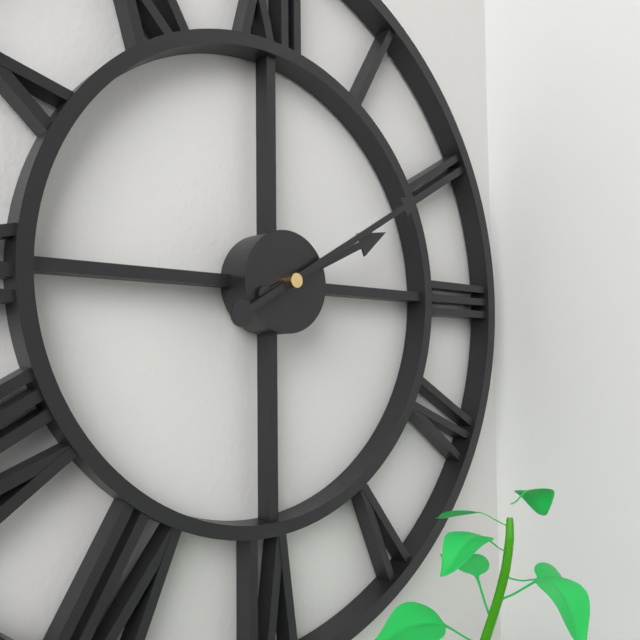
2:10
